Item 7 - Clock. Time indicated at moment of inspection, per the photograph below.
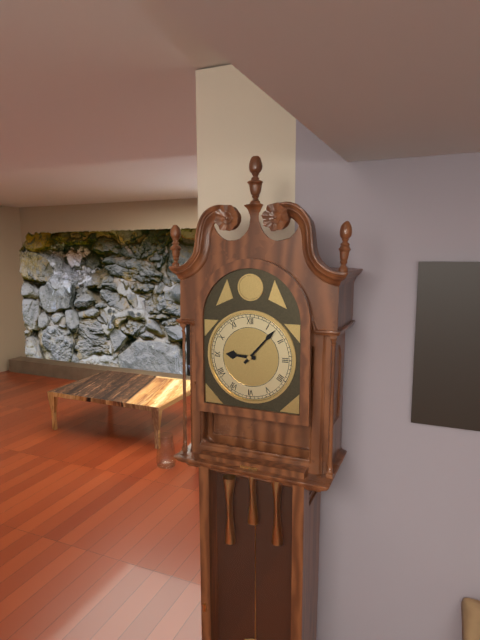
9:07
